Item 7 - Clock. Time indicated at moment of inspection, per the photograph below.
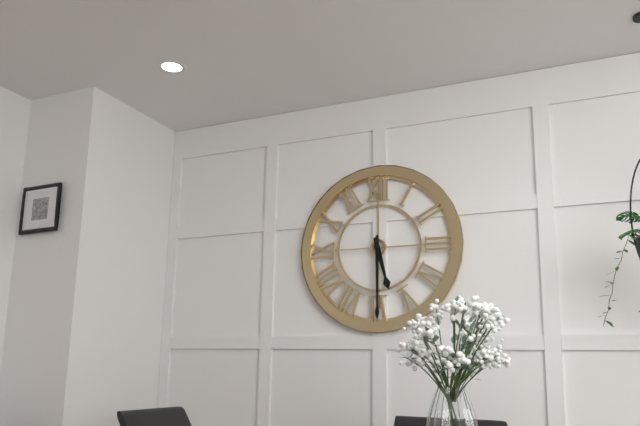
5:30
